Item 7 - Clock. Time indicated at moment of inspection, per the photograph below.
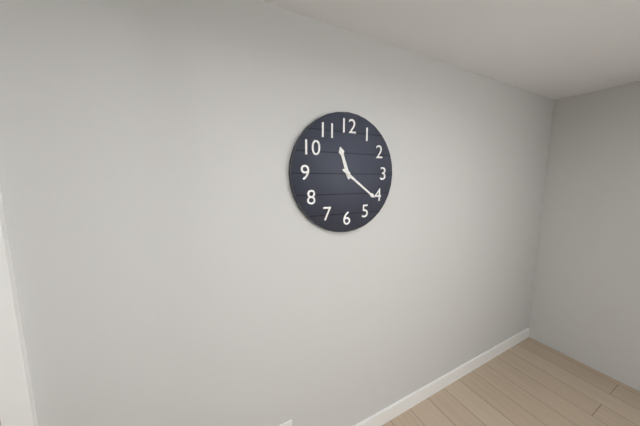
11:21
